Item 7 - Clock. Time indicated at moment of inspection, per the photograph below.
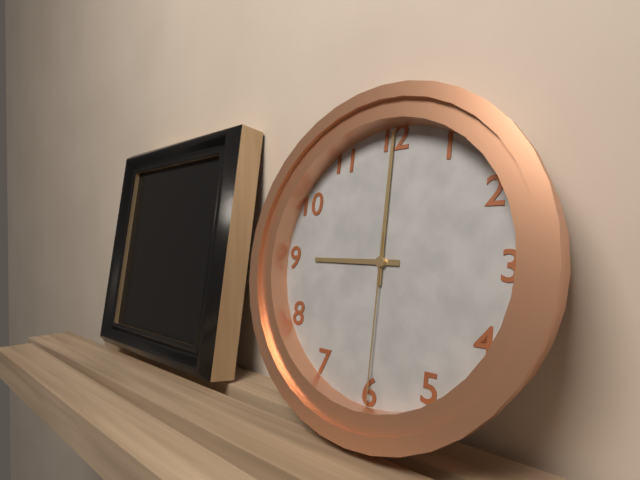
9:00:30
